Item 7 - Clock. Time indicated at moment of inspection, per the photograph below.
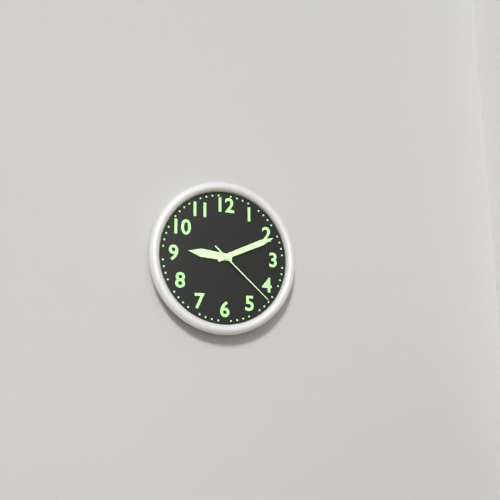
9:11:22
